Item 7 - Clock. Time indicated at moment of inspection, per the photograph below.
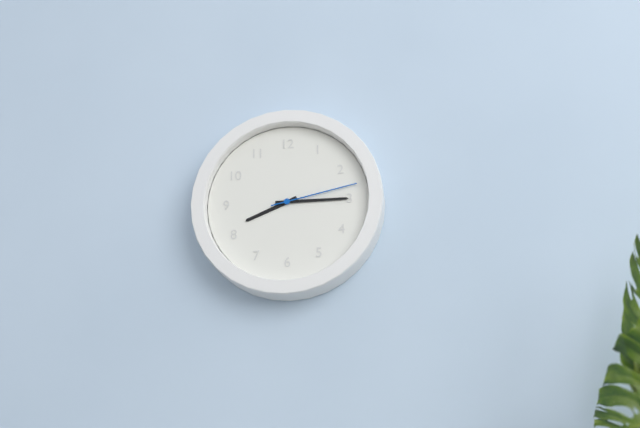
8:15:13
